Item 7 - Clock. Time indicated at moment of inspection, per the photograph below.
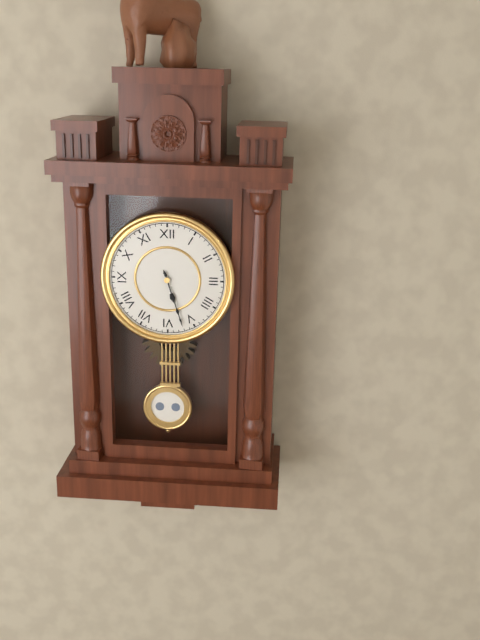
5:27
